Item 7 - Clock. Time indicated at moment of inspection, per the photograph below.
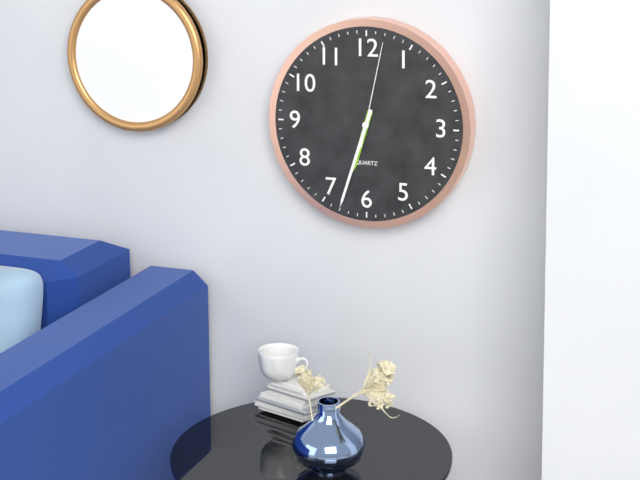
6:33:02
